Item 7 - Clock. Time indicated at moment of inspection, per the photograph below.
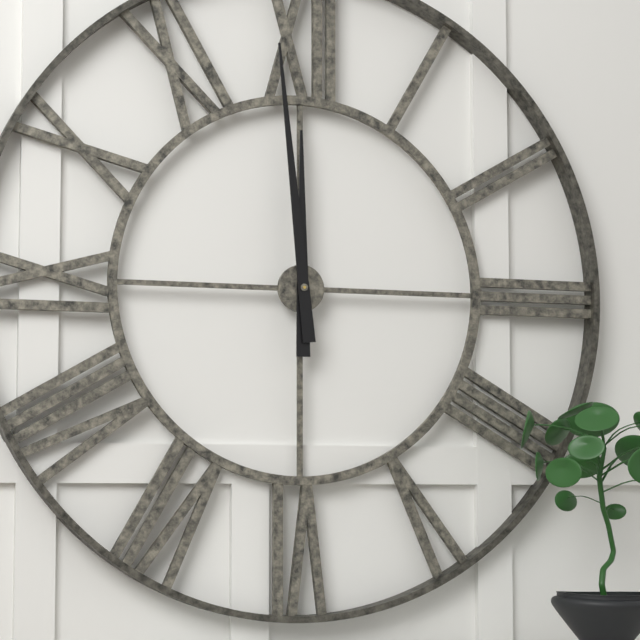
11:59
